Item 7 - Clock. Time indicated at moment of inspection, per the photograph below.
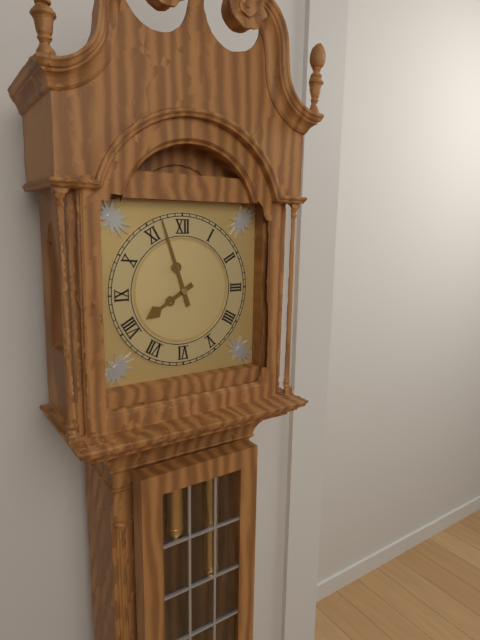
7:57
